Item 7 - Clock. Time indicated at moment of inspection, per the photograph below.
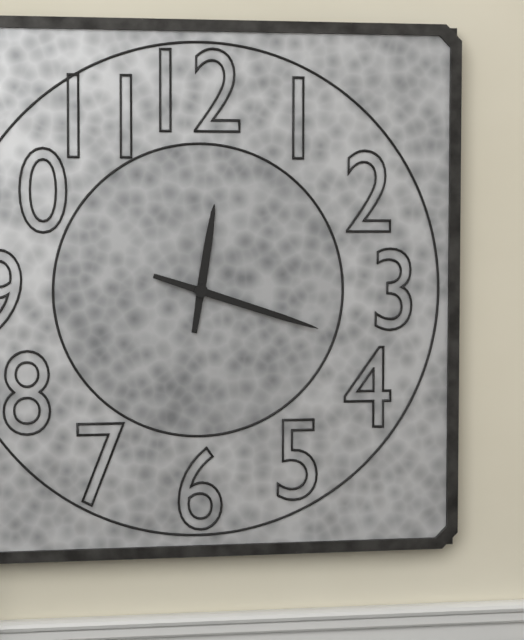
12:18
